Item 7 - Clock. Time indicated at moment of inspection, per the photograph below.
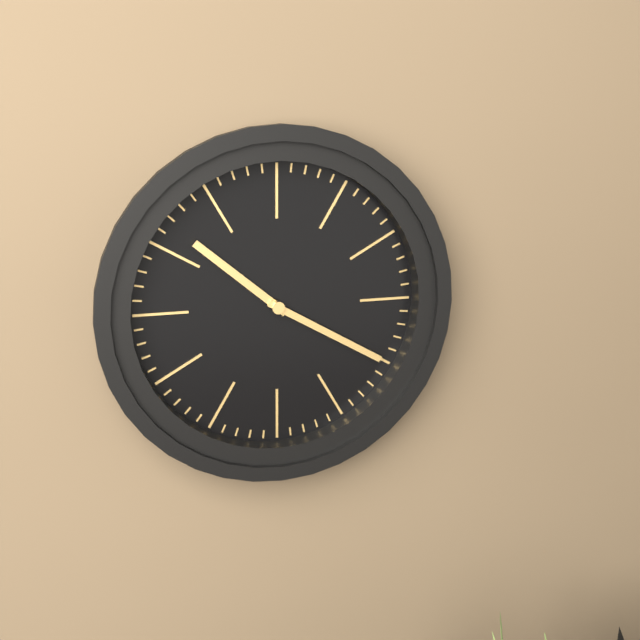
10:20
